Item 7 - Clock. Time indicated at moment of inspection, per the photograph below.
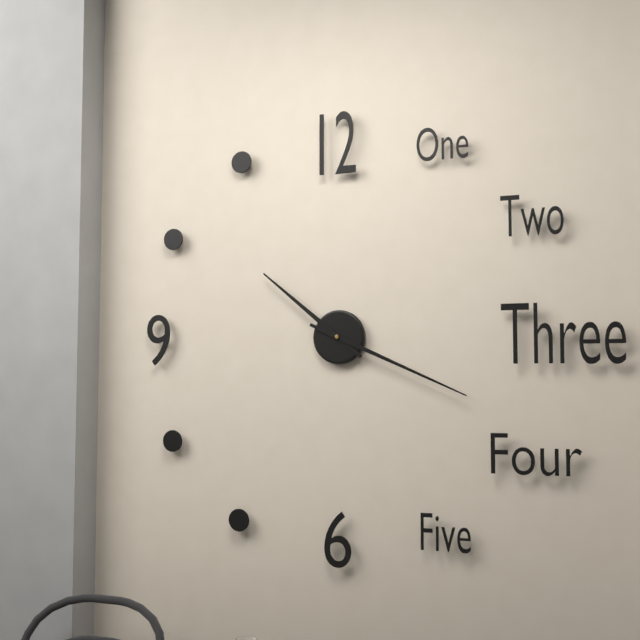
10:19
